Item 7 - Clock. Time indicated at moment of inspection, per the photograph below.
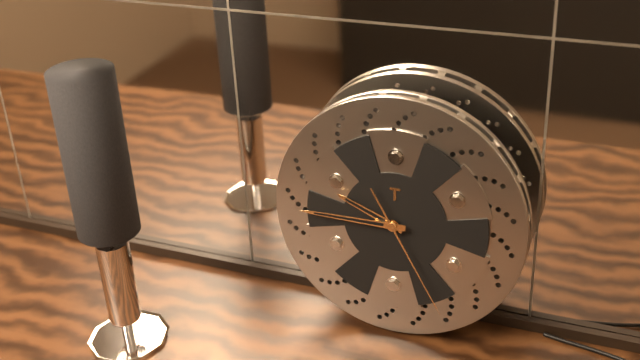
9:45:25
